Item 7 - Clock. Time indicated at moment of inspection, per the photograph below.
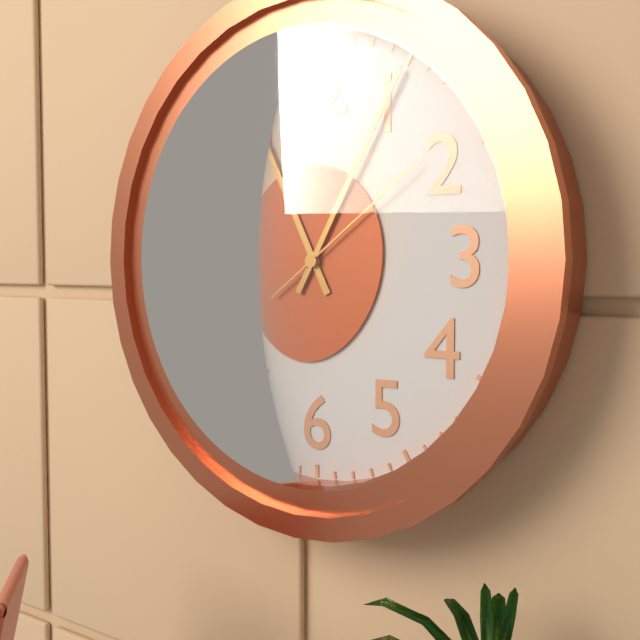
11:05:09
